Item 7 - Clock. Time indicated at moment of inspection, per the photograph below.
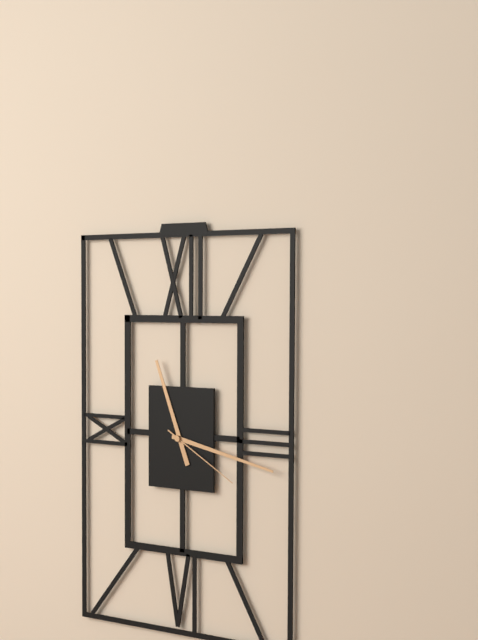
11:17:20
